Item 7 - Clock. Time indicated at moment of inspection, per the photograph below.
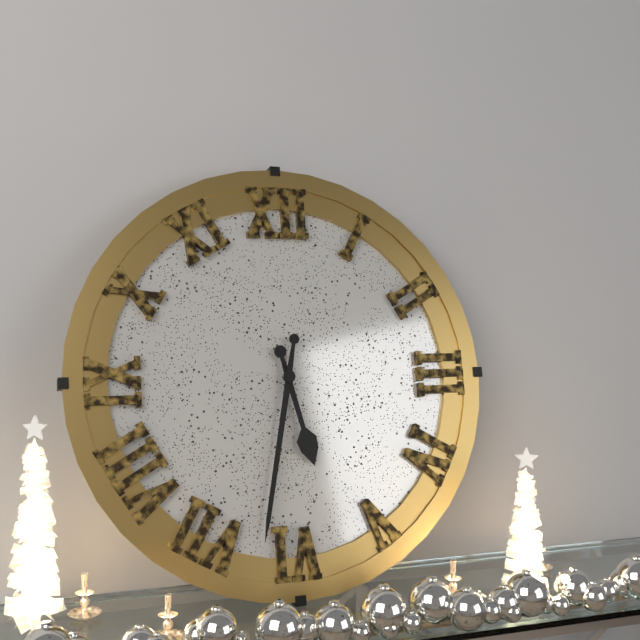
5:32
